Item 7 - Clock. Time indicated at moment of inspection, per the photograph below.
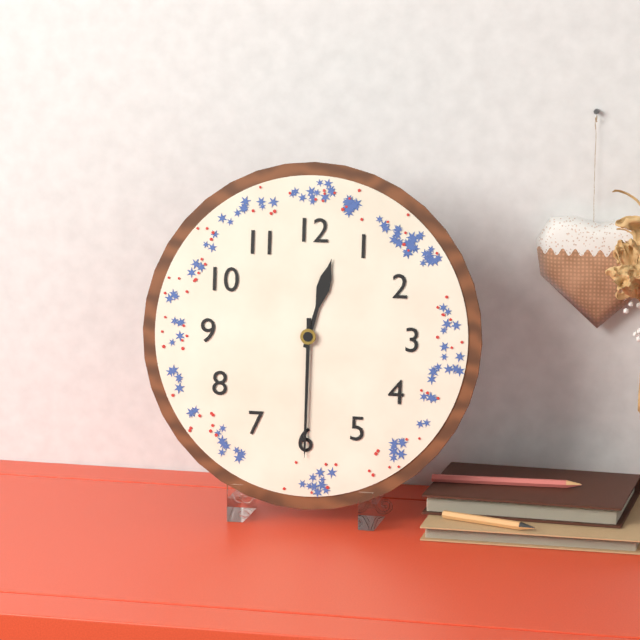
12:30
